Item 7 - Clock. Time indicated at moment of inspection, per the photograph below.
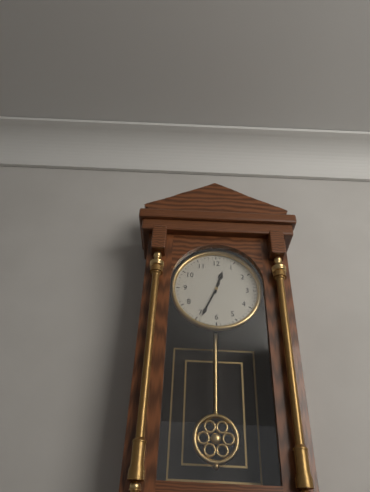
12:34
